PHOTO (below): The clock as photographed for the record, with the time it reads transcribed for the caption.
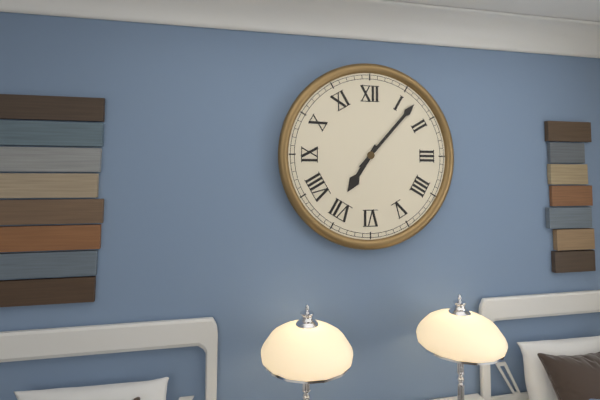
7:07
